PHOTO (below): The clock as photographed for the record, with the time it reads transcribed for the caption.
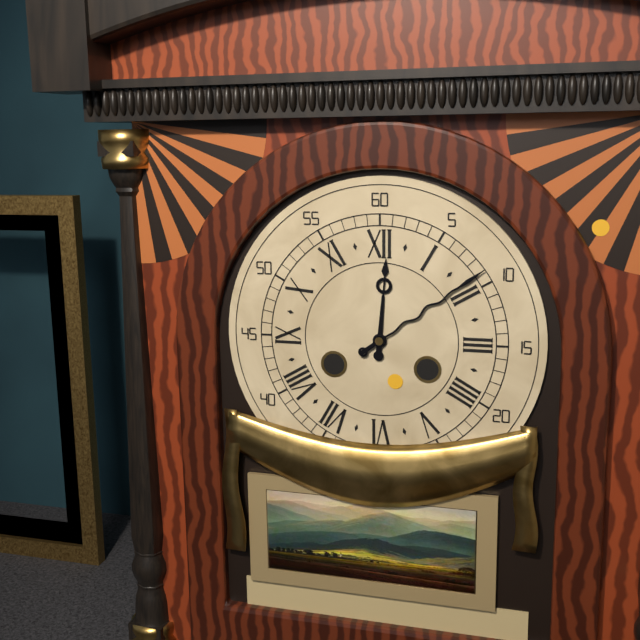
12:09
